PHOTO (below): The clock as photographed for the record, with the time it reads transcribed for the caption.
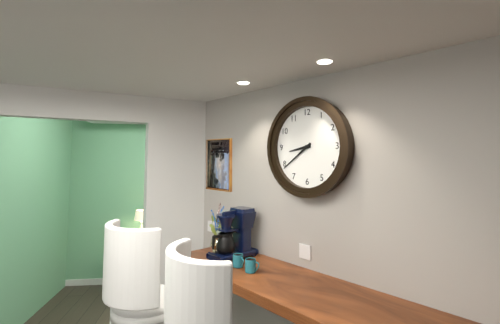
8:39
